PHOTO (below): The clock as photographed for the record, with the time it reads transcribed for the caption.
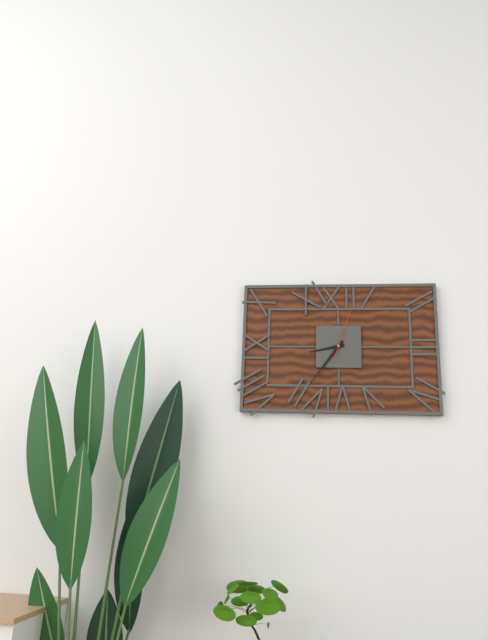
8:36
